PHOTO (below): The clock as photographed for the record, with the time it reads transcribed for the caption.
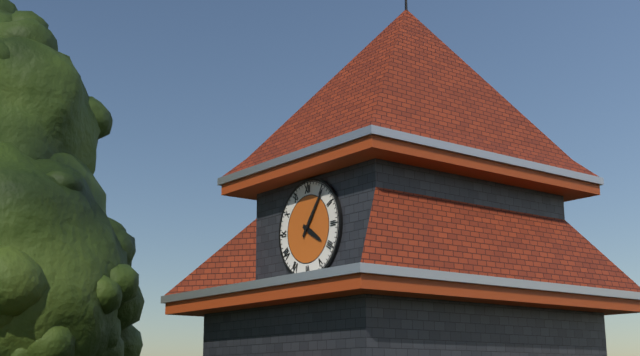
4:06
